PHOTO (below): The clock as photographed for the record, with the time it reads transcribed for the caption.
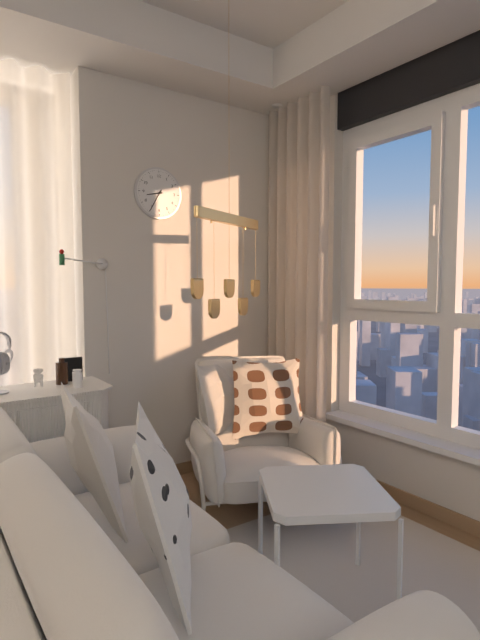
8:35
